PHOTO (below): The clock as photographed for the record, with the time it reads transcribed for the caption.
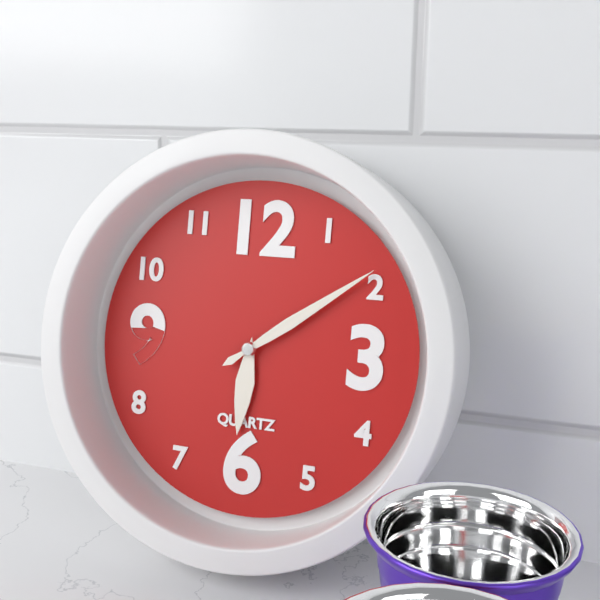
6:09
